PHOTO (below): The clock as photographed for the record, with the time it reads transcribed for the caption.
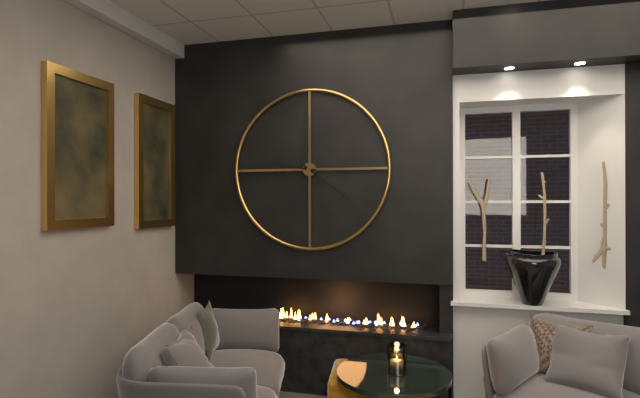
9:21
